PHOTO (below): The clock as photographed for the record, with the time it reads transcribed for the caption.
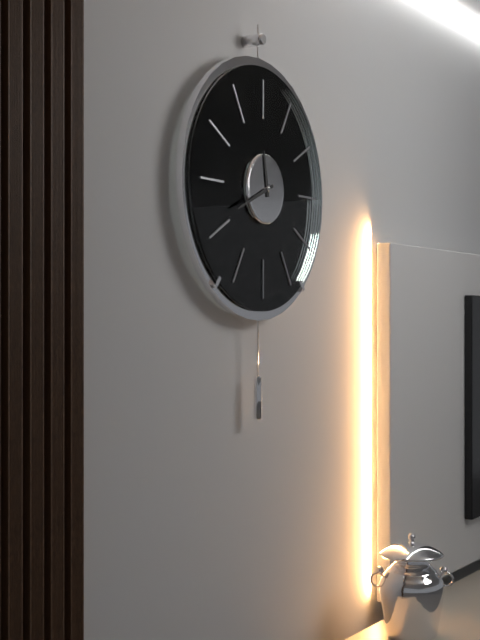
11:41
